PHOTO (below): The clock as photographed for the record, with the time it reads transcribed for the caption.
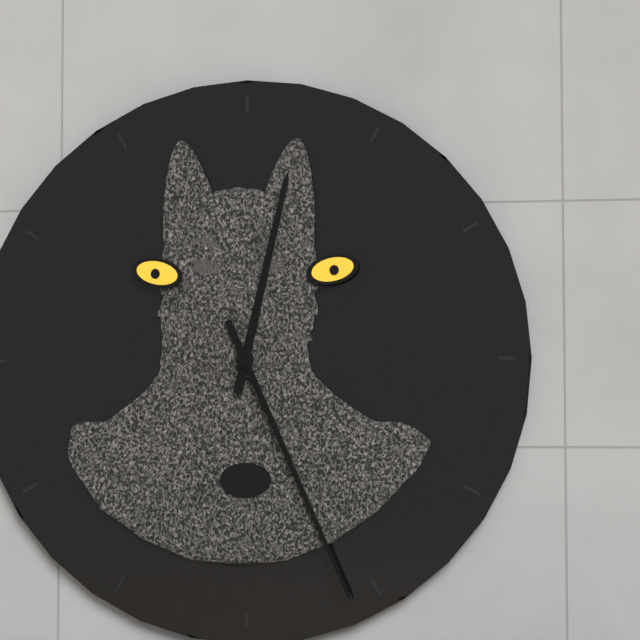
12:26
